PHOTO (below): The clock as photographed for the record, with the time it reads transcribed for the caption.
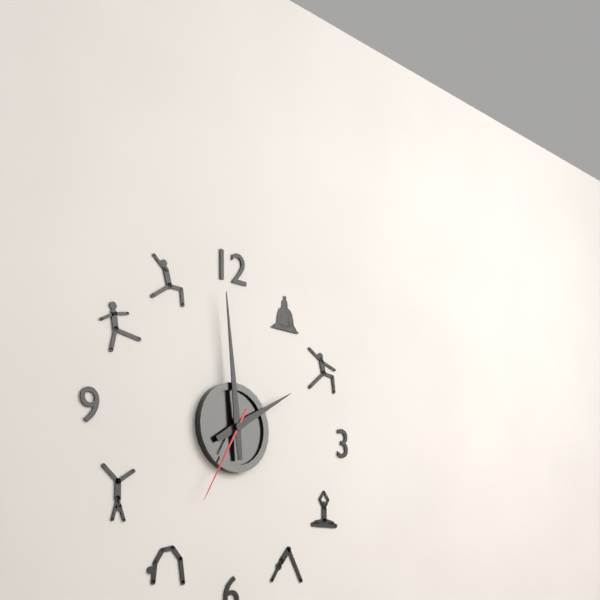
1:59:35
